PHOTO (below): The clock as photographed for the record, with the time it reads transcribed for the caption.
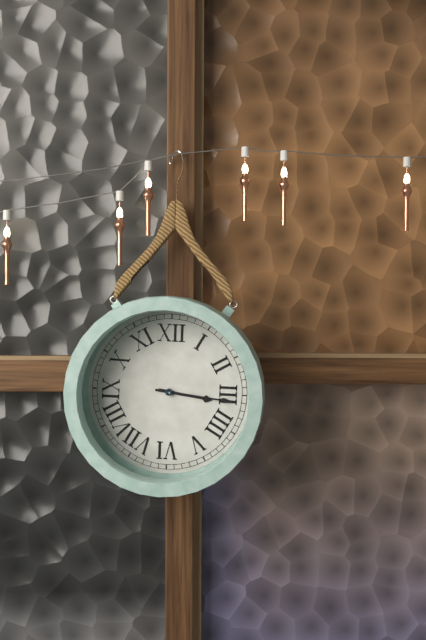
3:16
